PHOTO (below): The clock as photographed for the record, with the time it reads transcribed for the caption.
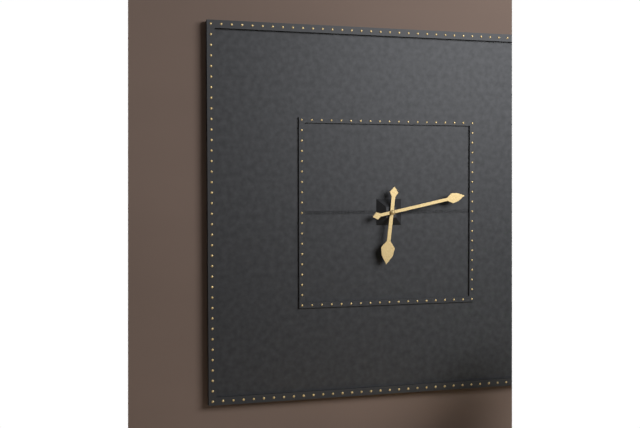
6:13
